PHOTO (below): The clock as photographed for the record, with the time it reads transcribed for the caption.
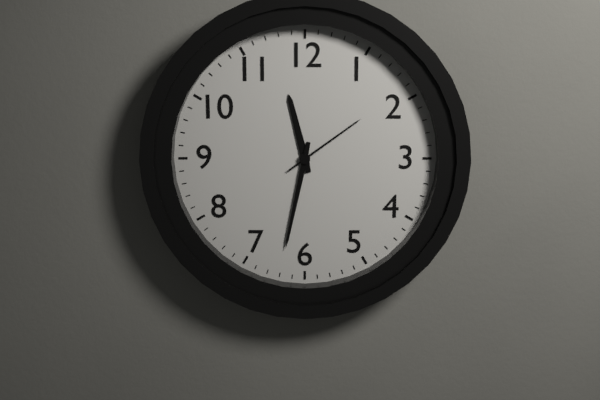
11:32:09
